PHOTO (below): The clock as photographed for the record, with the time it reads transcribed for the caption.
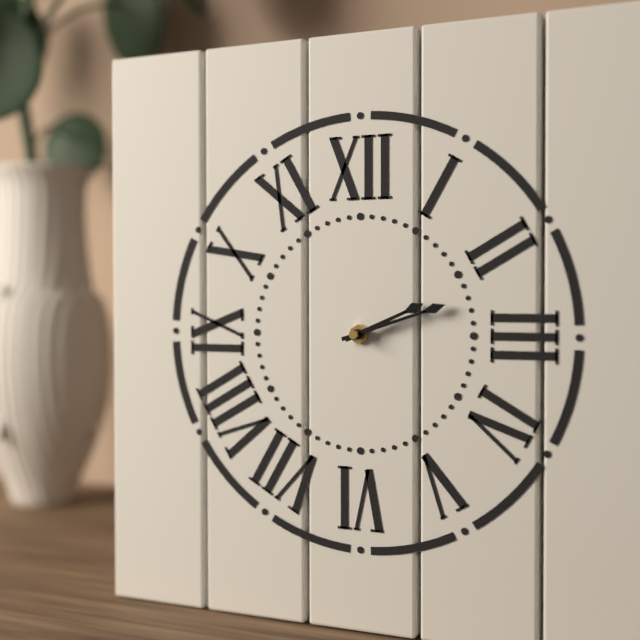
2:12
